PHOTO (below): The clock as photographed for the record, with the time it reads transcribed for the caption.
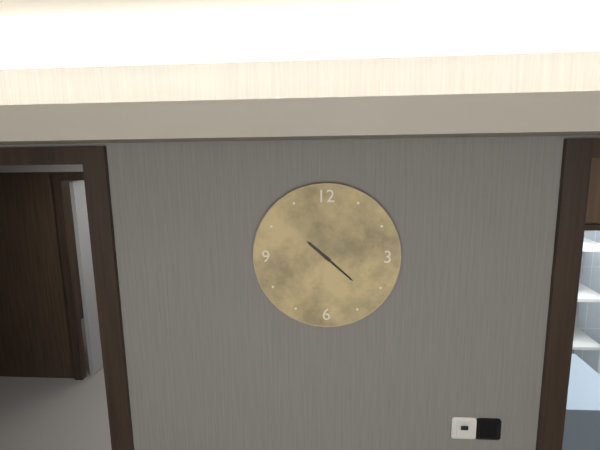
10:22
